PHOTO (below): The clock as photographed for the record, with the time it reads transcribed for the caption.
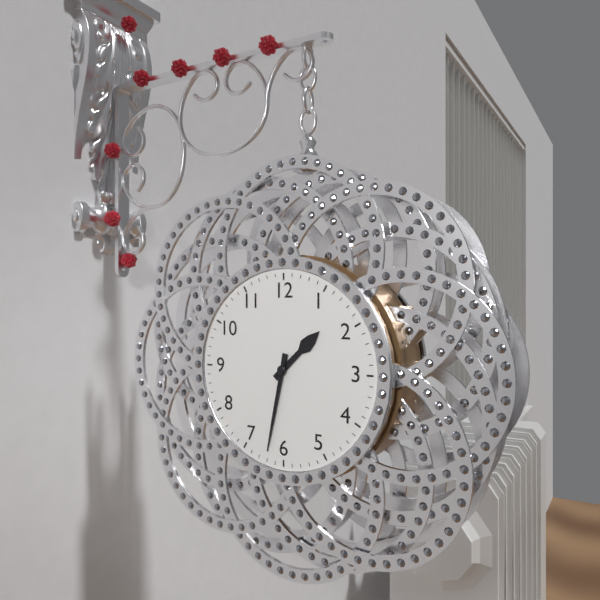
1:32
